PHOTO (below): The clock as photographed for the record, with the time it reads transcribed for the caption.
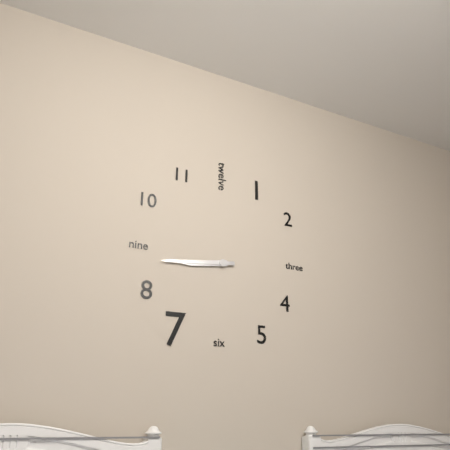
8:44
